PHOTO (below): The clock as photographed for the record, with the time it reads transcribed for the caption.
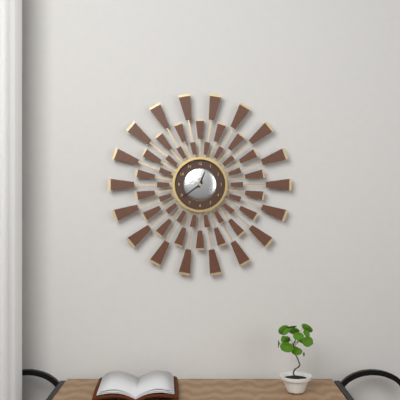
12:39
